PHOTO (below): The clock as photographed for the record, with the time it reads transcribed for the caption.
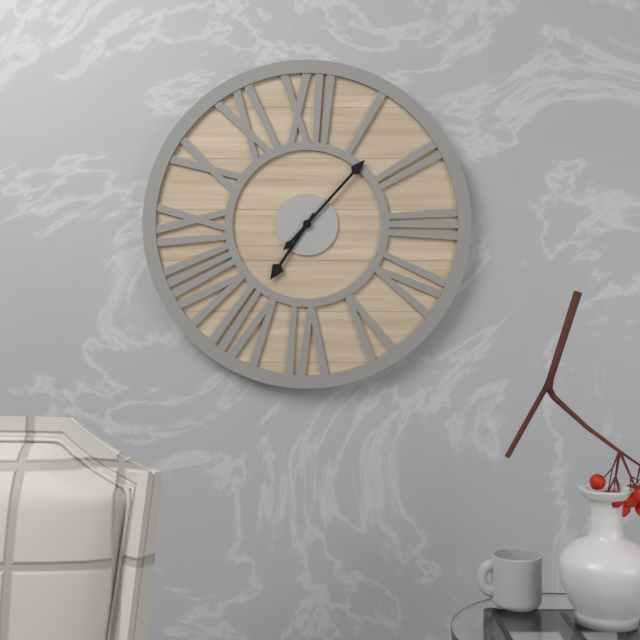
7:07
